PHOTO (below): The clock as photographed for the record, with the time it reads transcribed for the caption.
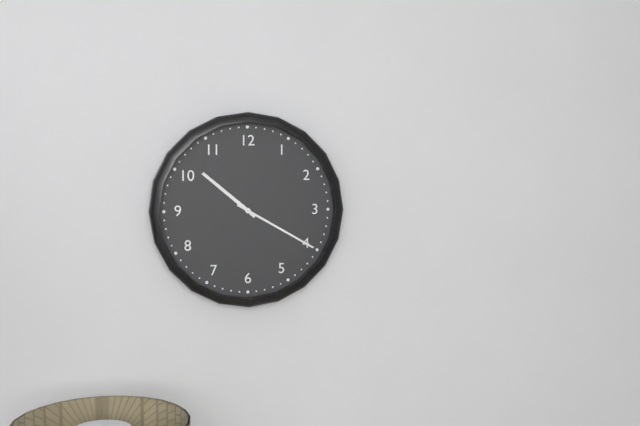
10:20
